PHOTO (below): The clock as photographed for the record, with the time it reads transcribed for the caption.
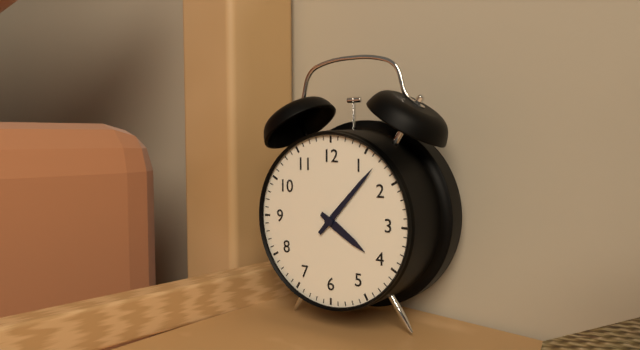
4:07
